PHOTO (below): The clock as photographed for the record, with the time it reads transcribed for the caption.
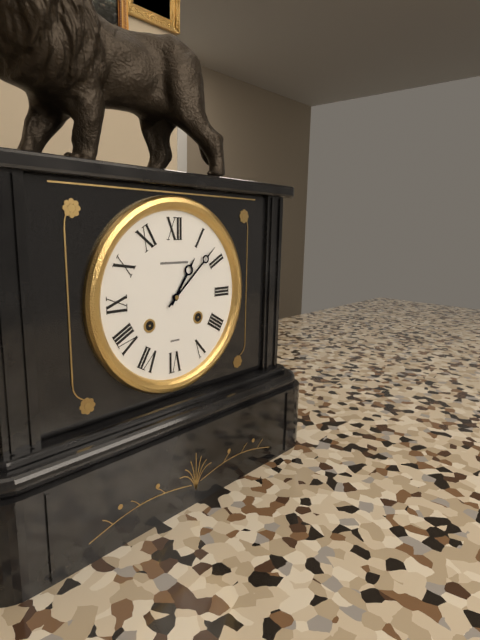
1:08
